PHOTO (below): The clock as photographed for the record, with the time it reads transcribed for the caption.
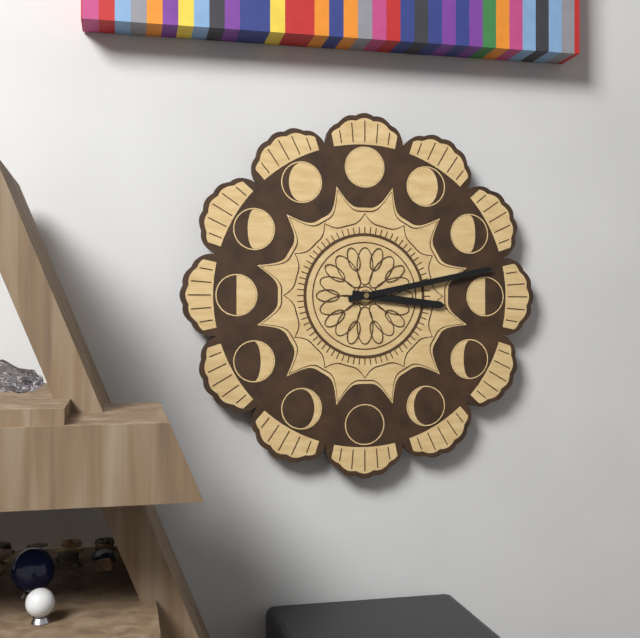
3:13
